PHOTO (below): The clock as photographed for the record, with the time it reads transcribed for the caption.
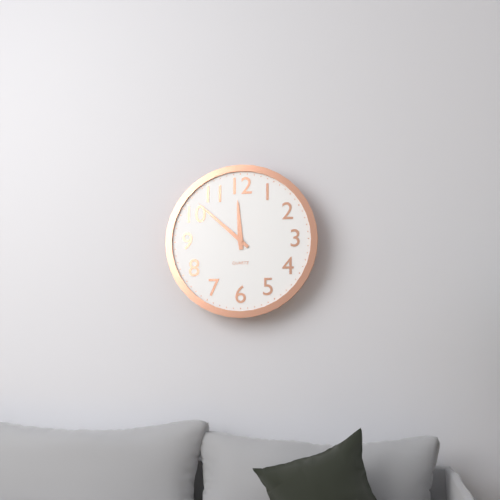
11:52
